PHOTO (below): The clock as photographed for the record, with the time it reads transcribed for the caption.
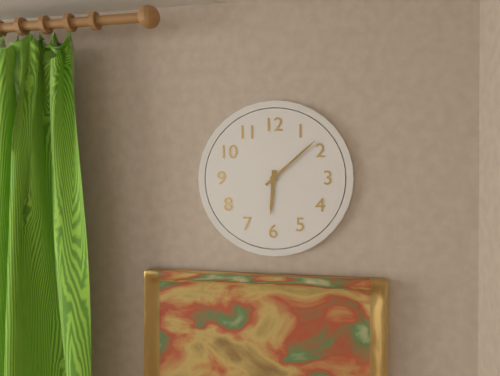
6:08
